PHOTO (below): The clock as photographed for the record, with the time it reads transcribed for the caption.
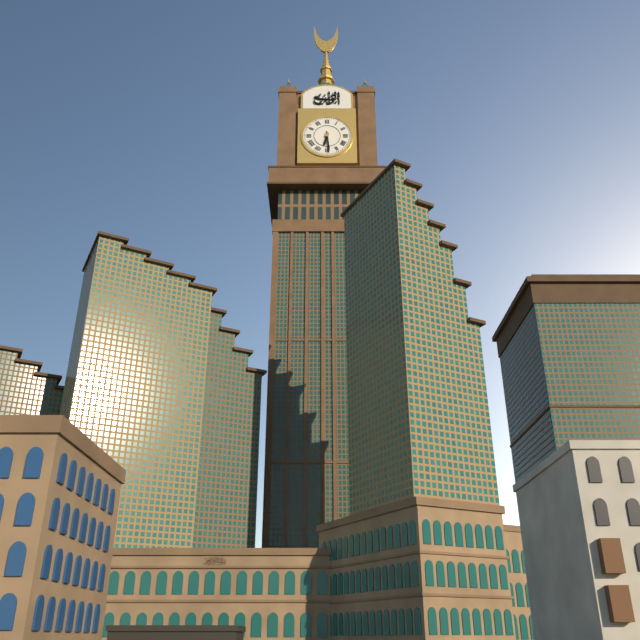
6:29
